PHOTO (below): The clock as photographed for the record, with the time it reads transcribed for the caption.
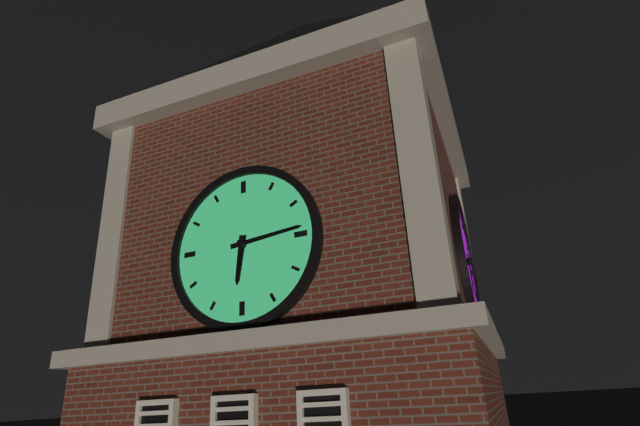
6:14
